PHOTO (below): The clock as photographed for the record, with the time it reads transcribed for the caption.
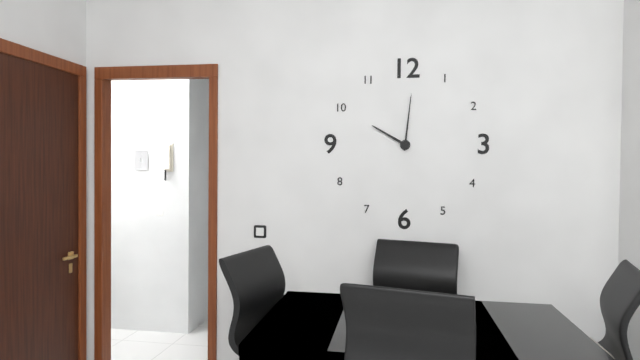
10:01
